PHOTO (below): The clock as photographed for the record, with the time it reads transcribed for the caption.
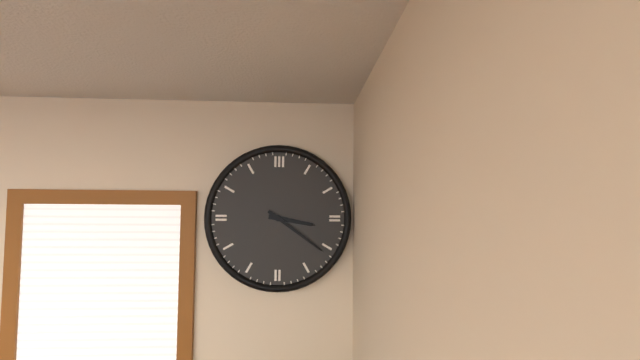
3:21
